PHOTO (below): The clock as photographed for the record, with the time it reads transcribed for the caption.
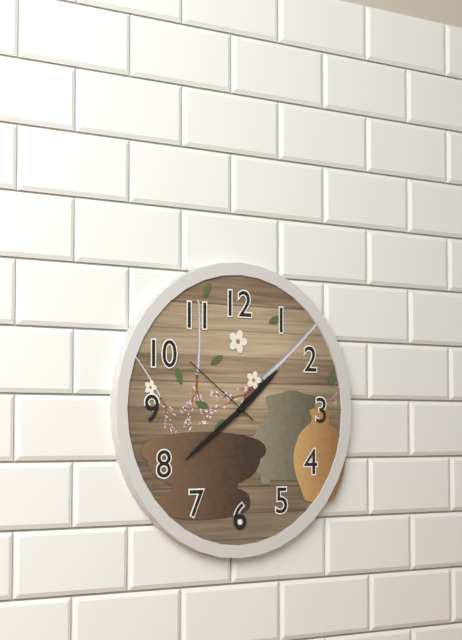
1:39:51
